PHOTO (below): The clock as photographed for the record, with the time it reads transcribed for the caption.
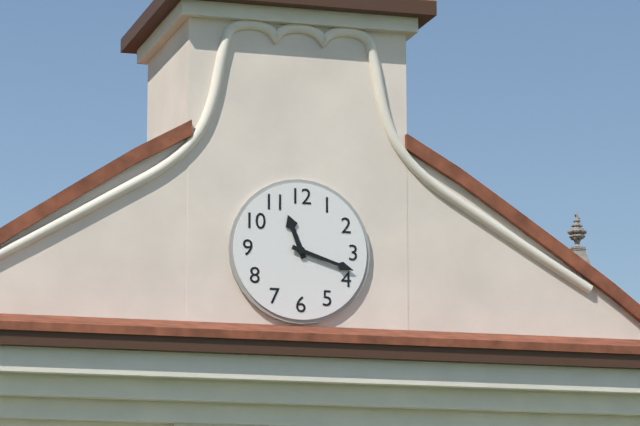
11:18
